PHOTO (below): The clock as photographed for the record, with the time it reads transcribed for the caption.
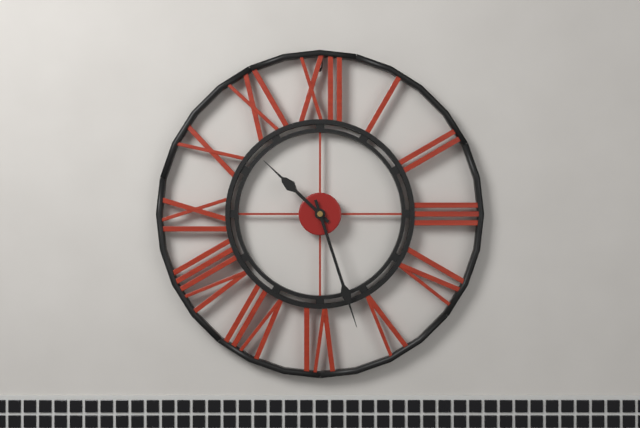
10:27
